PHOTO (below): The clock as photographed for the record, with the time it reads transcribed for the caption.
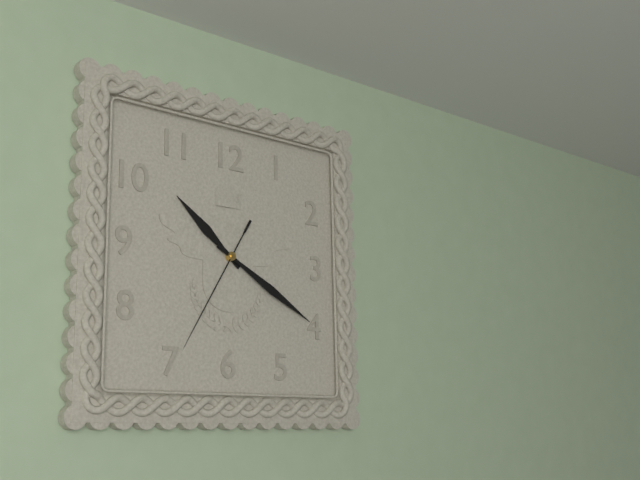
10:20:35
